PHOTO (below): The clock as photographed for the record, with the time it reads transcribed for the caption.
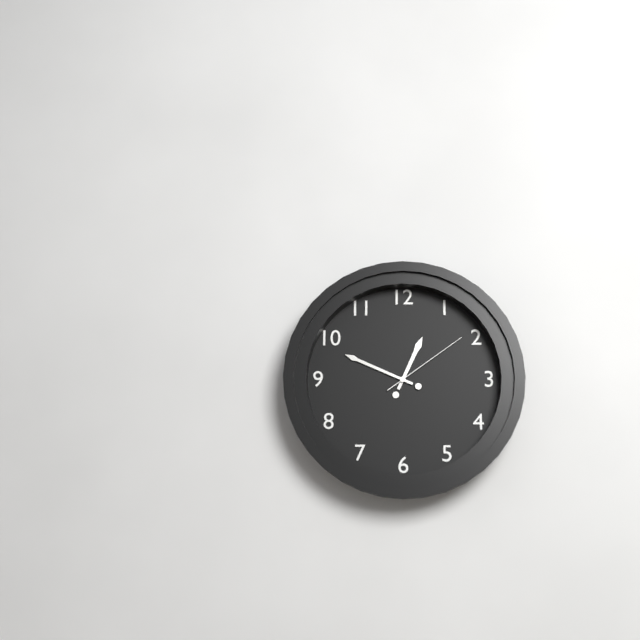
12:49:09
